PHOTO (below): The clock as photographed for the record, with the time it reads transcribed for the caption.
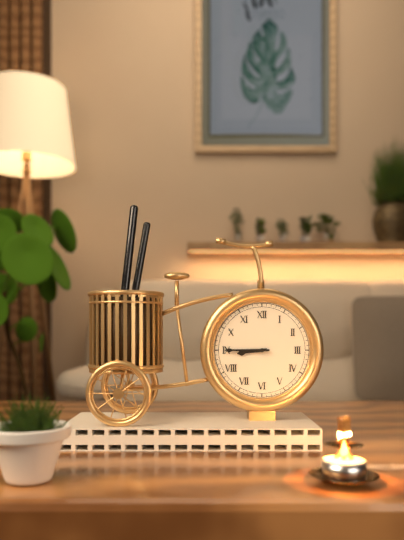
8:45
